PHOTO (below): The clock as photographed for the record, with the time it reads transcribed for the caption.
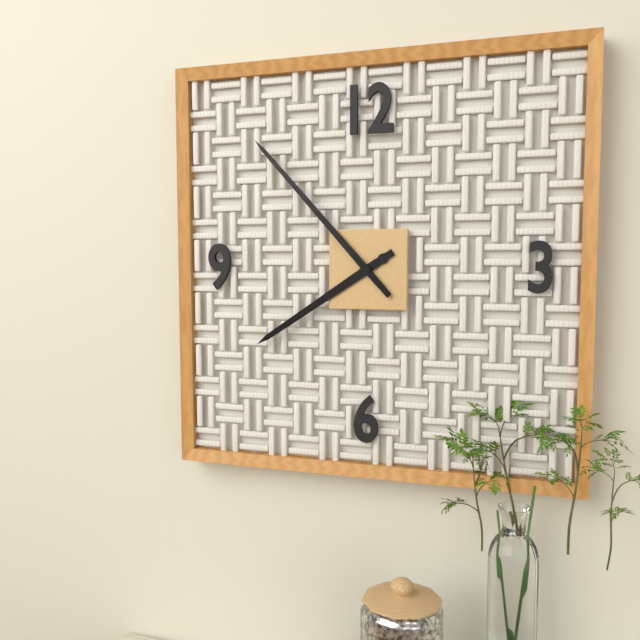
7:53
